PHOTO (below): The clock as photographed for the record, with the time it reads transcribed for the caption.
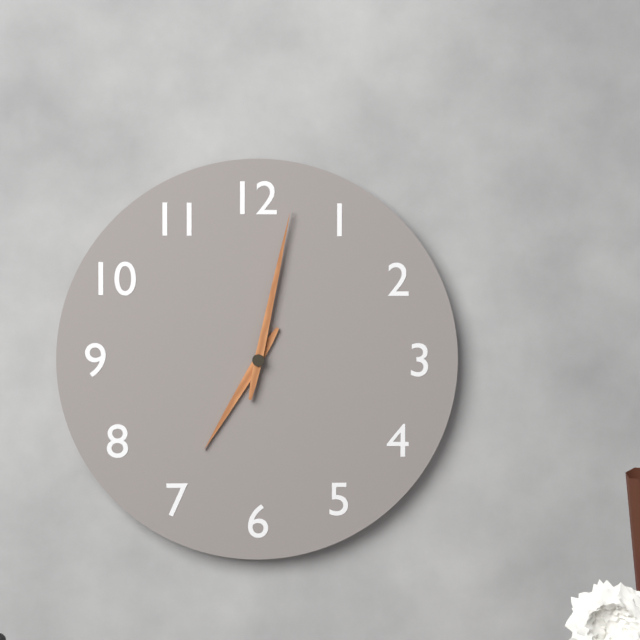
7:02
